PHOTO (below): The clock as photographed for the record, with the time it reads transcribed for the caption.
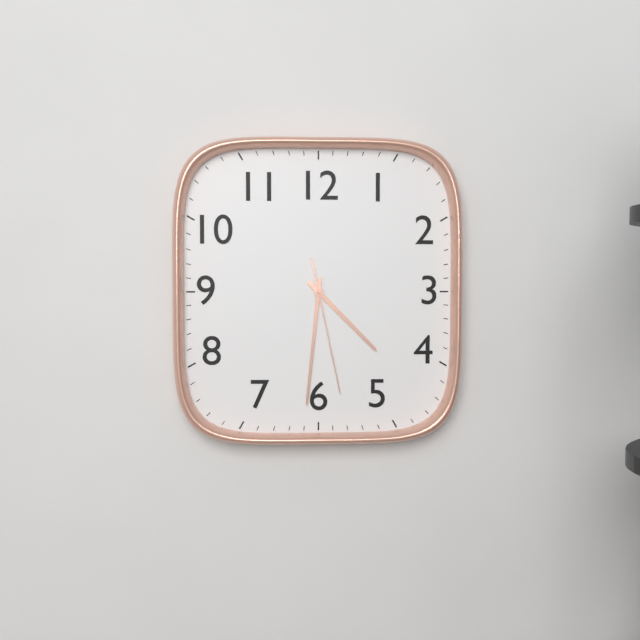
4:31:28
